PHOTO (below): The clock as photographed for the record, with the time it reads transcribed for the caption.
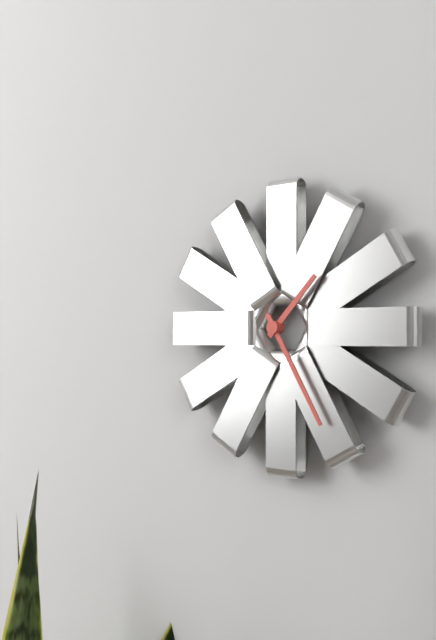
1:25
